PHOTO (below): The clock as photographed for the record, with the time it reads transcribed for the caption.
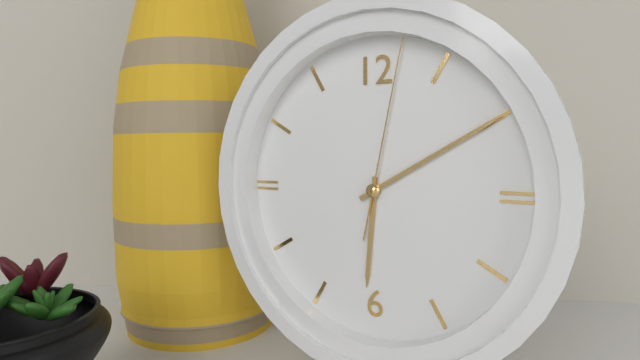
6:10:02
